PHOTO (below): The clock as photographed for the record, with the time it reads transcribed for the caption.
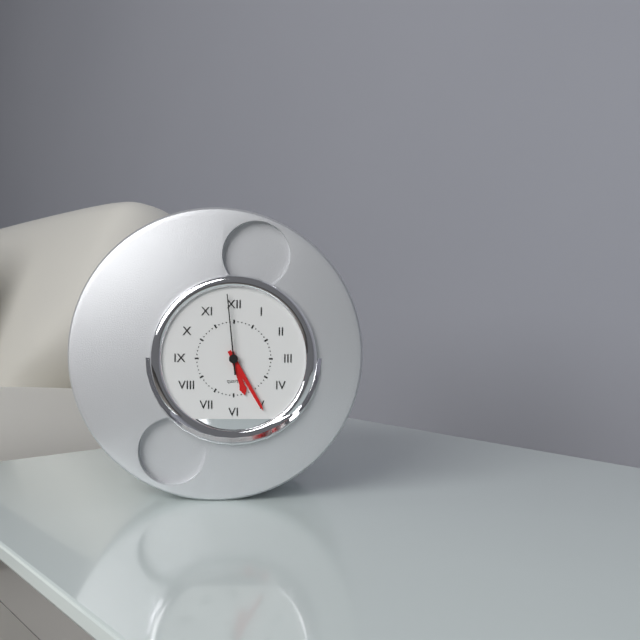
5:25:59
